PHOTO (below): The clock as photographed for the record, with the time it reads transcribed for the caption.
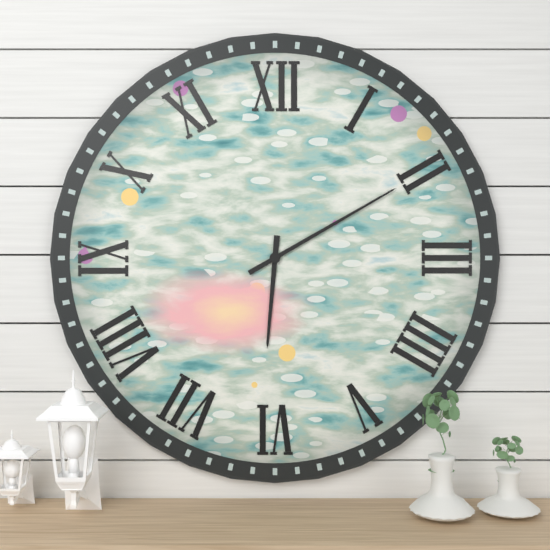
6:10
